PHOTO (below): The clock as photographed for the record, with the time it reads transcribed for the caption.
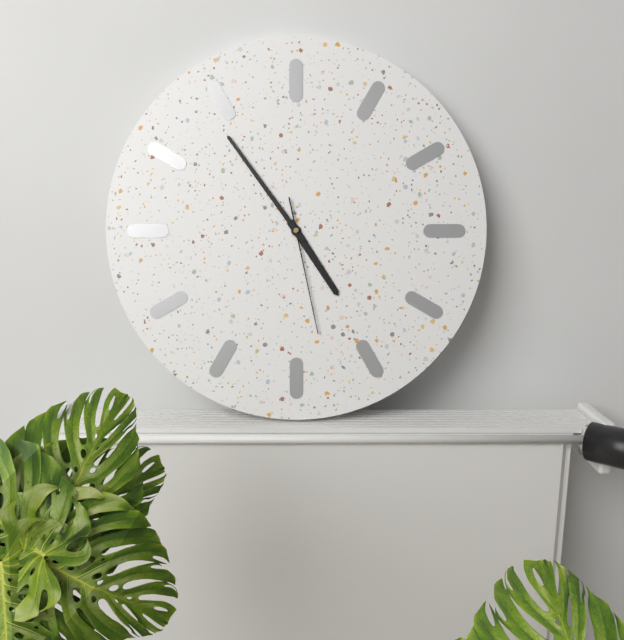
4:54:28
